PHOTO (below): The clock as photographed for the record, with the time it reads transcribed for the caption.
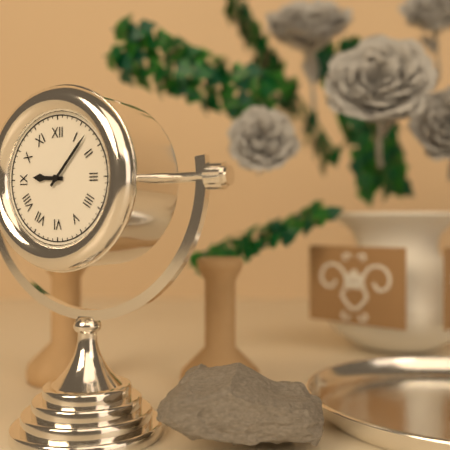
9:07
